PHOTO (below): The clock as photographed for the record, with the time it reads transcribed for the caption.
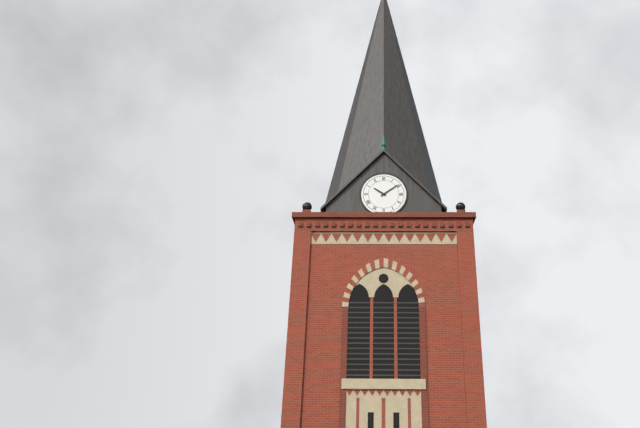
10:09
